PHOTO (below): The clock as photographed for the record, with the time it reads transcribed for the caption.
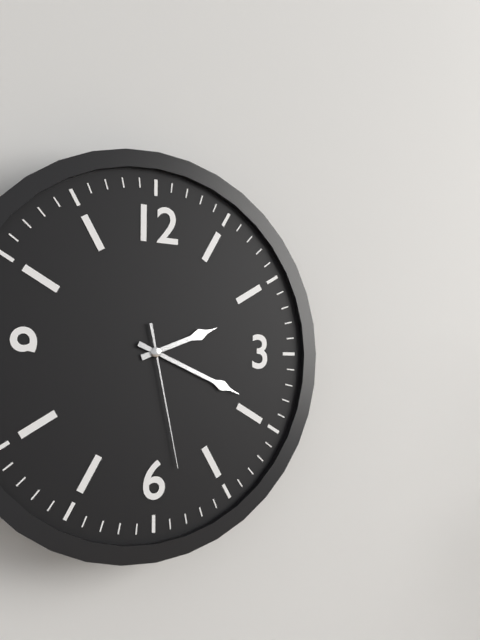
2:19:28
